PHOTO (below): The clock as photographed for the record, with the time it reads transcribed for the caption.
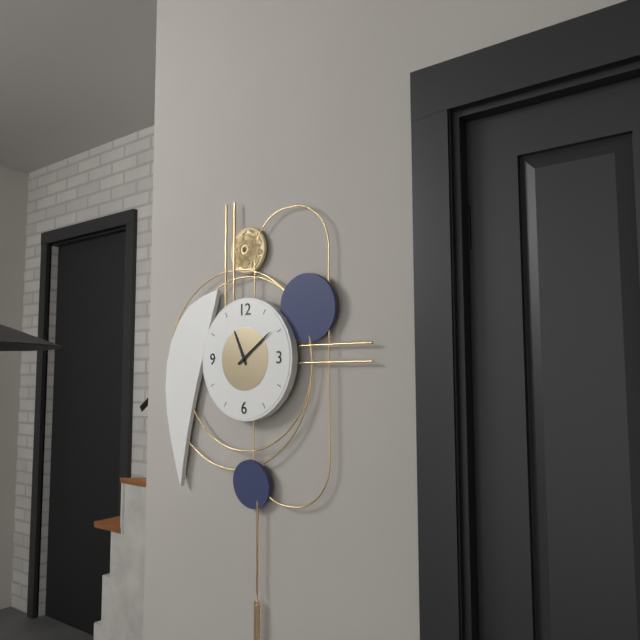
11:09
